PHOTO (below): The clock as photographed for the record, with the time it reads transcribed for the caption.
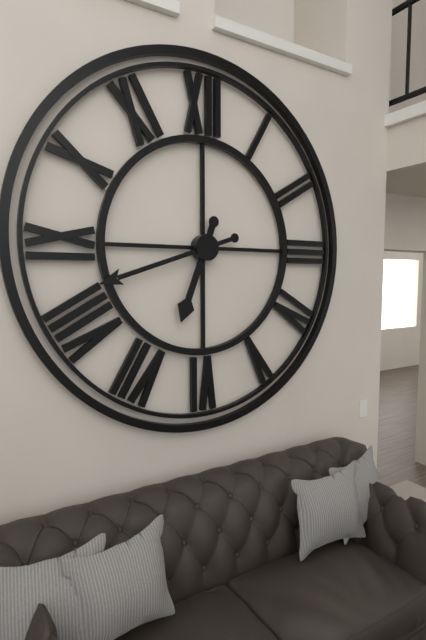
6:42
